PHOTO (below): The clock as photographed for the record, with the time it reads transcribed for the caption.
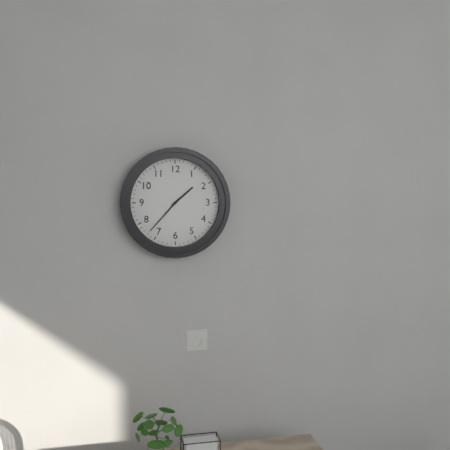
1:37
